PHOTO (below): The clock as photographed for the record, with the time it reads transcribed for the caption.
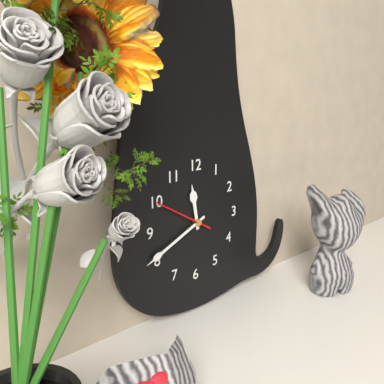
11:41:50
